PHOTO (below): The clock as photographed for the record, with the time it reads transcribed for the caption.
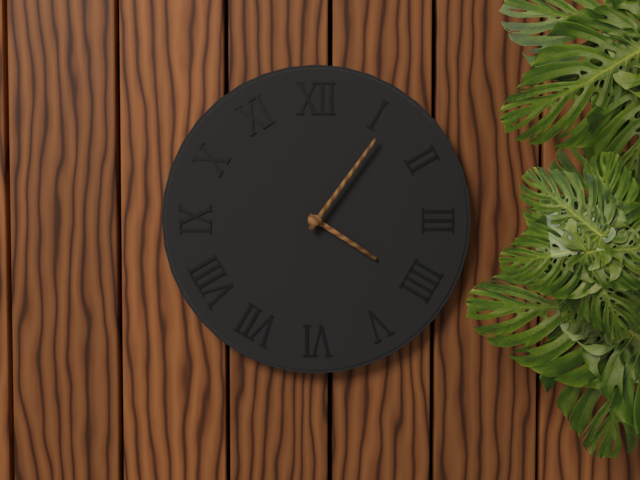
4:06
